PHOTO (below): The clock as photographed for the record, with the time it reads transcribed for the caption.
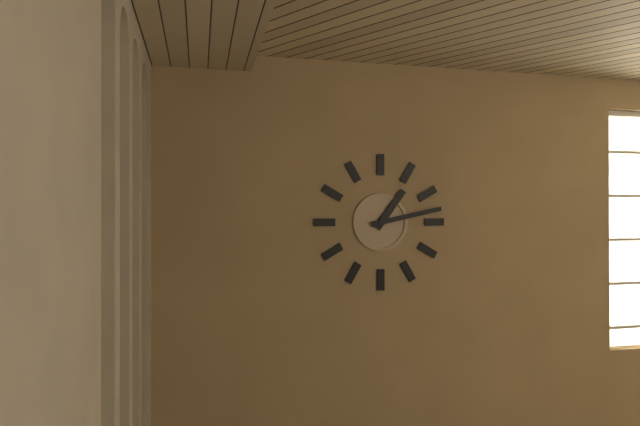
1:13
